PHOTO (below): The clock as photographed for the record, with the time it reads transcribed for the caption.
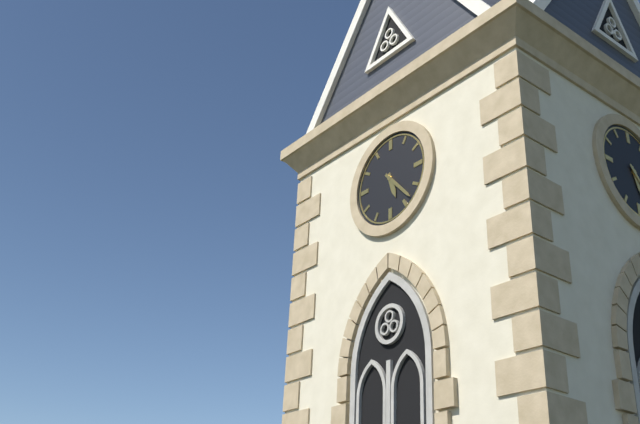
5:23
